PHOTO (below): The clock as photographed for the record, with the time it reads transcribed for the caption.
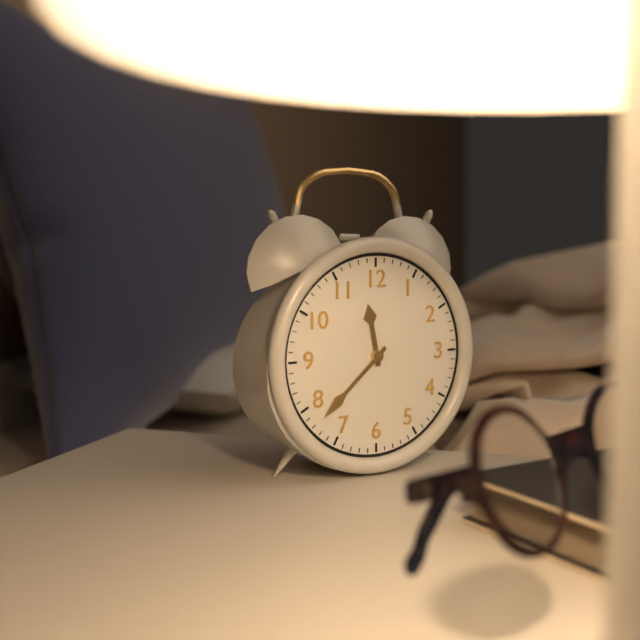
11:38
